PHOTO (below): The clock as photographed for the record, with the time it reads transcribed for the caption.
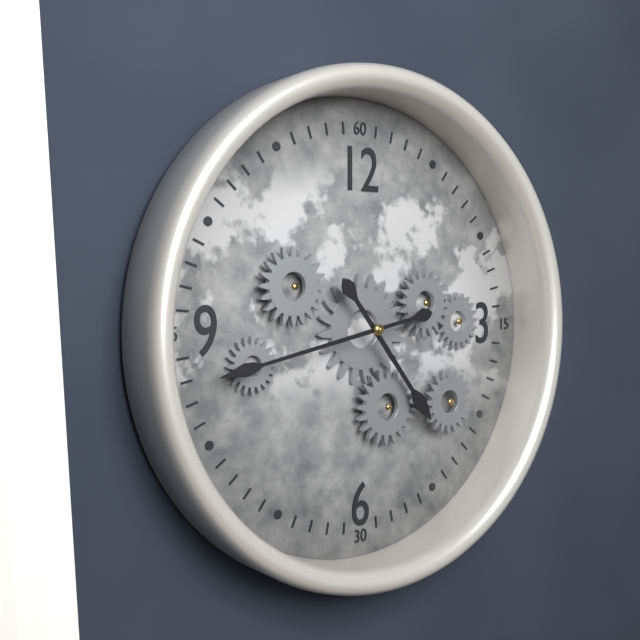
4:43
